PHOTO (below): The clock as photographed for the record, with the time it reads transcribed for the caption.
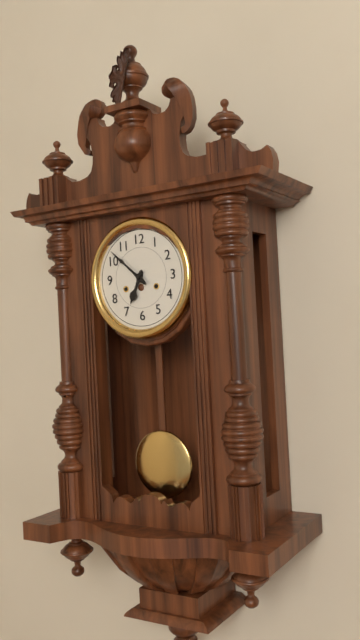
6:52
